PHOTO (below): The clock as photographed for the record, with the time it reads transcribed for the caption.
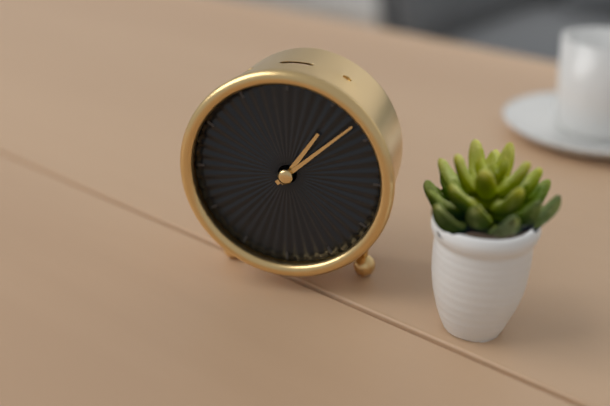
1:08
